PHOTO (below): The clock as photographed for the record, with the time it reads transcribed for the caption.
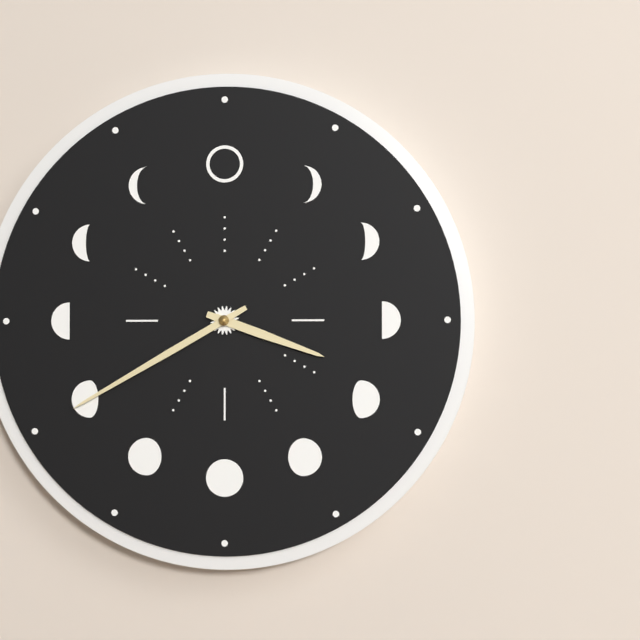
3:40
